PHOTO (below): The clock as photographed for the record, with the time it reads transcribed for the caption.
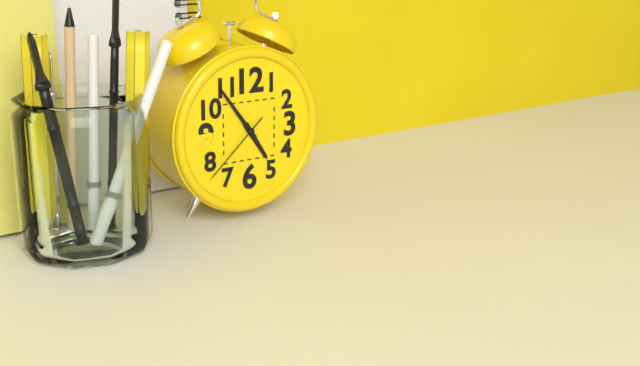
4:54:38
